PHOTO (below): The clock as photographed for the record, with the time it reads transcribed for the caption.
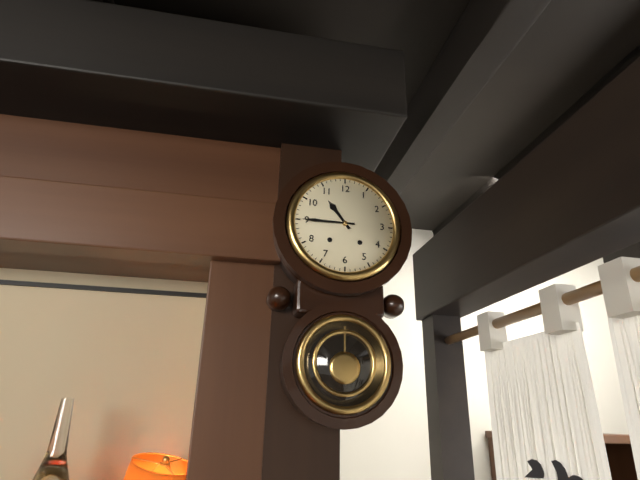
10:45
